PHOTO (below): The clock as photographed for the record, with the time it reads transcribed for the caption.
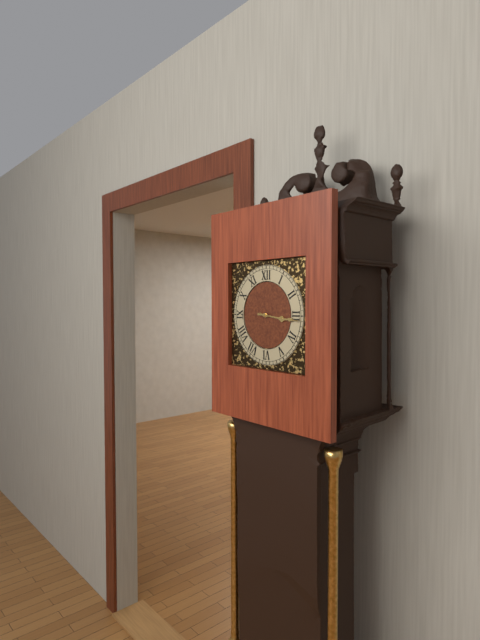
3:16
